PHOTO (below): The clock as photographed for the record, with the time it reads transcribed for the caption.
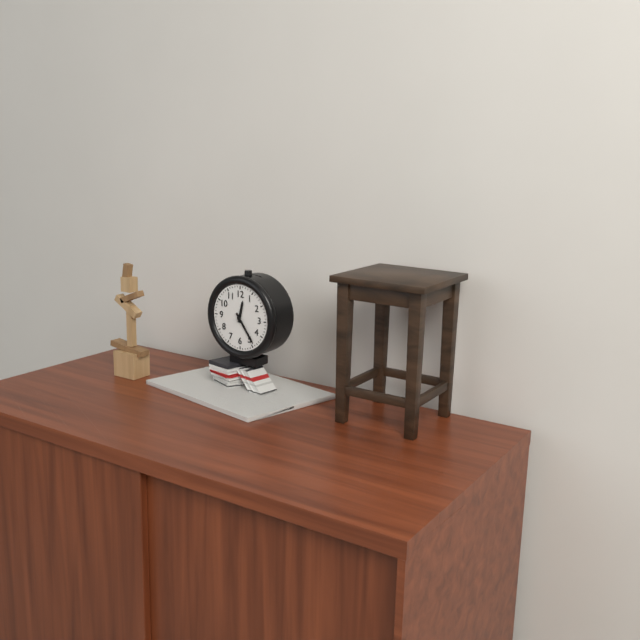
12:24
